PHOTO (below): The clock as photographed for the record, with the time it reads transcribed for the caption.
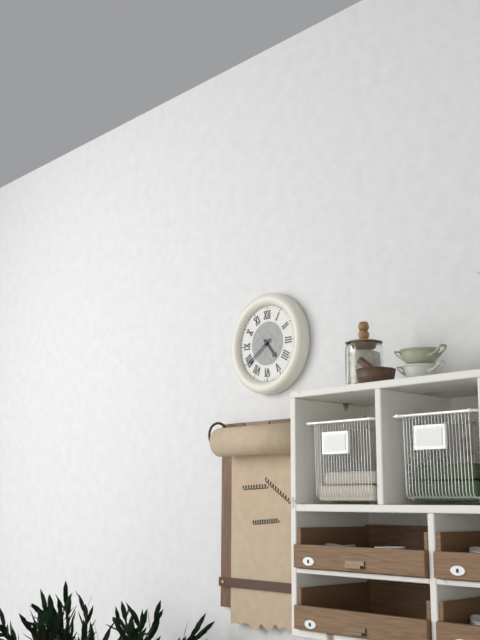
4:39
